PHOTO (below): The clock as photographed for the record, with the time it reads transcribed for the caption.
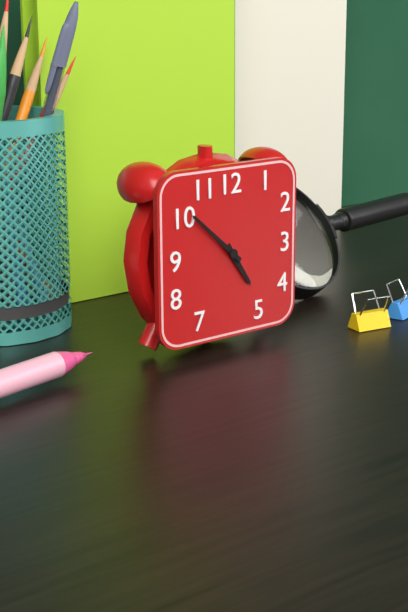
4:52
